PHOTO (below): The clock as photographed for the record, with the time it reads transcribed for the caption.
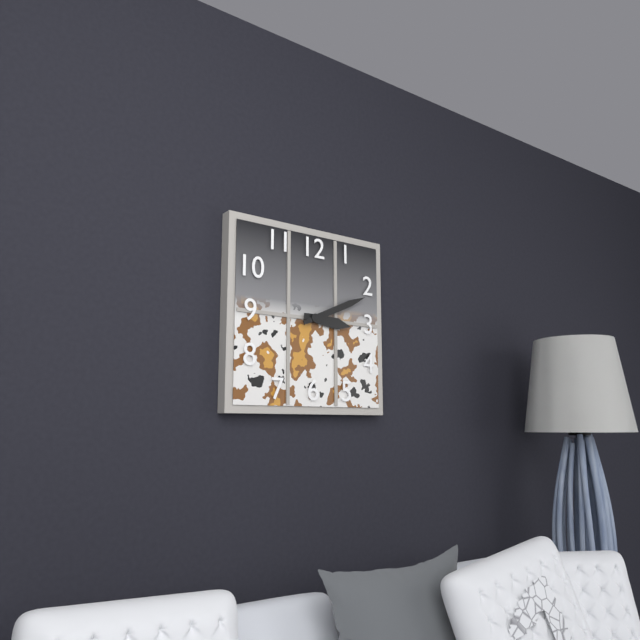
3:11
